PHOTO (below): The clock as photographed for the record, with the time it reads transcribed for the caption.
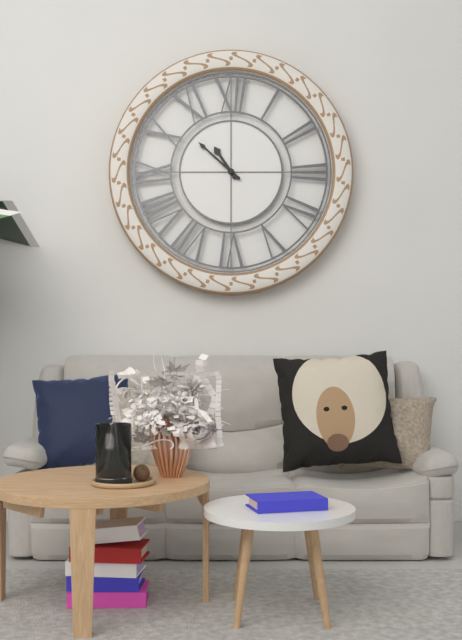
10:52
